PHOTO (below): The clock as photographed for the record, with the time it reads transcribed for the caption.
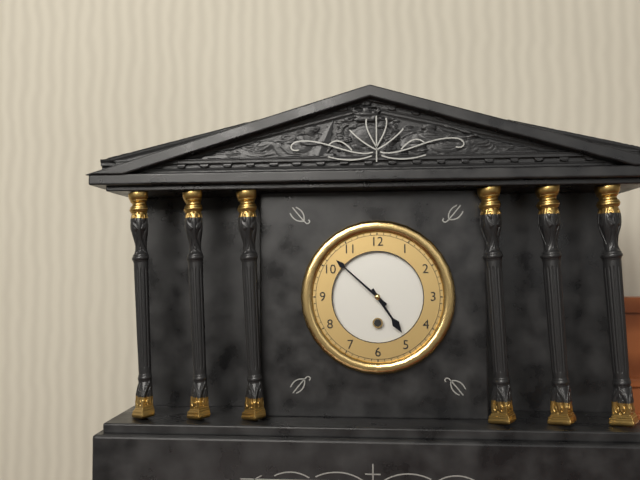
4:52
